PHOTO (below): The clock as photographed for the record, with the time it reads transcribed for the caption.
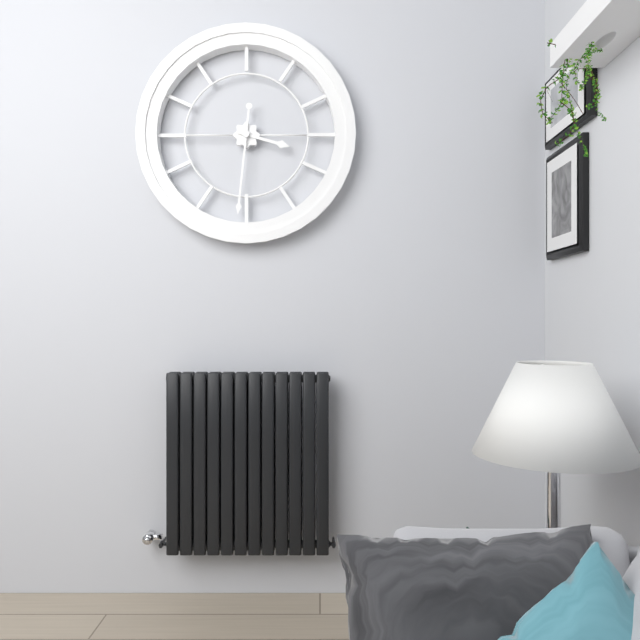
3:31
